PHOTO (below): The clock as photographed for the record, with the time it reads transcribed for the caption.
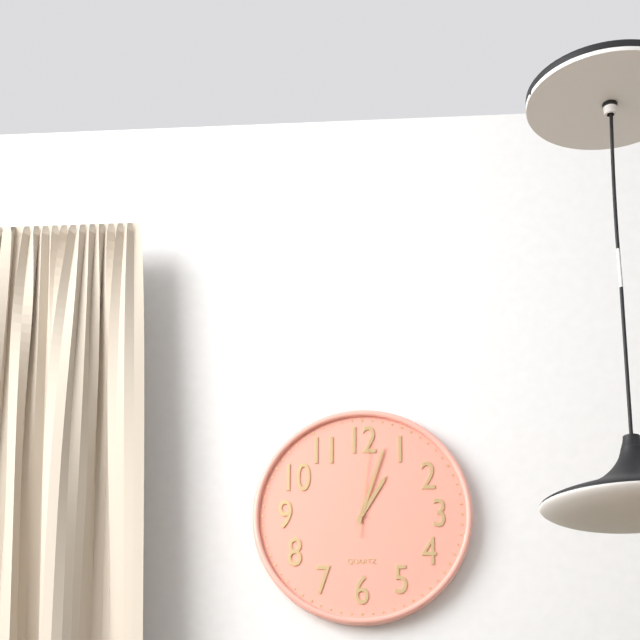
1:03:01
